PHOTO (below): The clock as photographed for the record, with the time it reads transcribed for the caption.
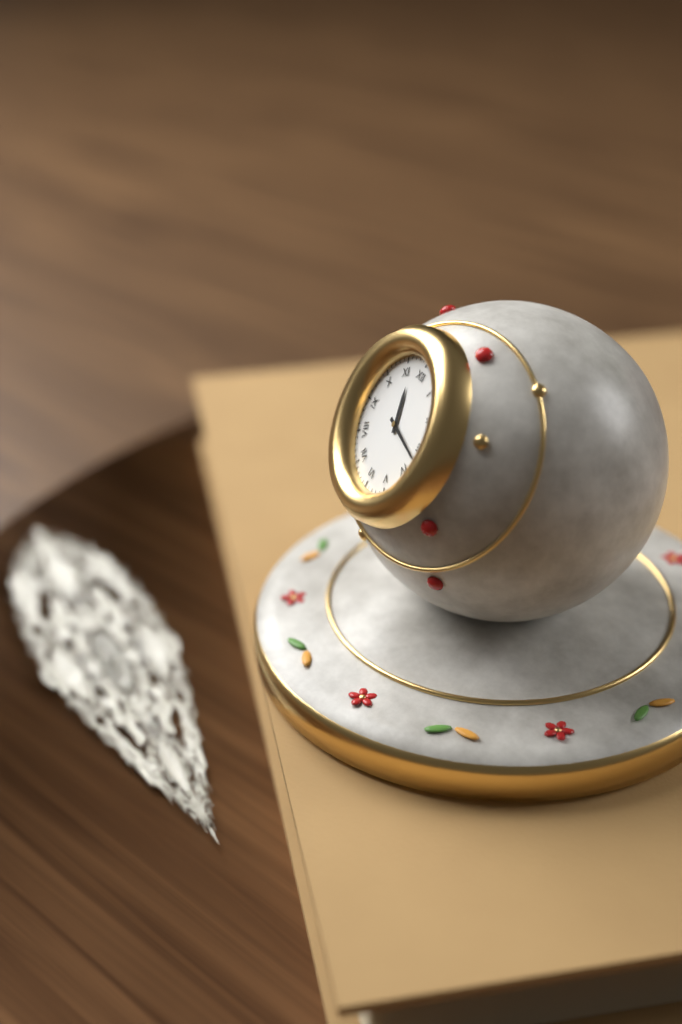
11:17
